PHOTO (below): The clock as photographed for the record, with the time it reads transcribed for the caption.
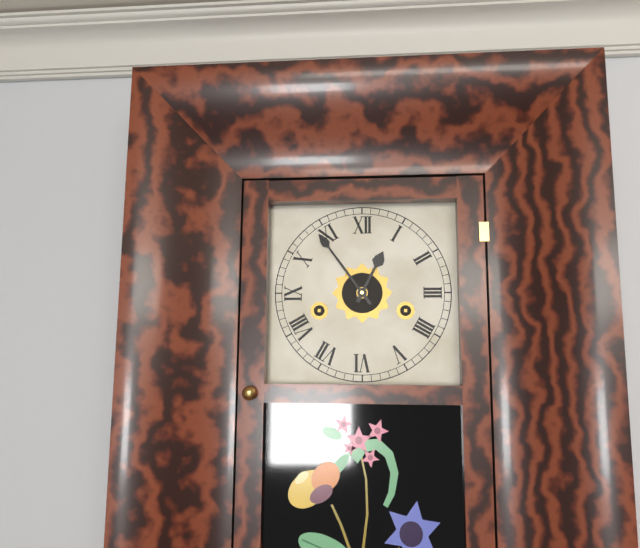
12:54
